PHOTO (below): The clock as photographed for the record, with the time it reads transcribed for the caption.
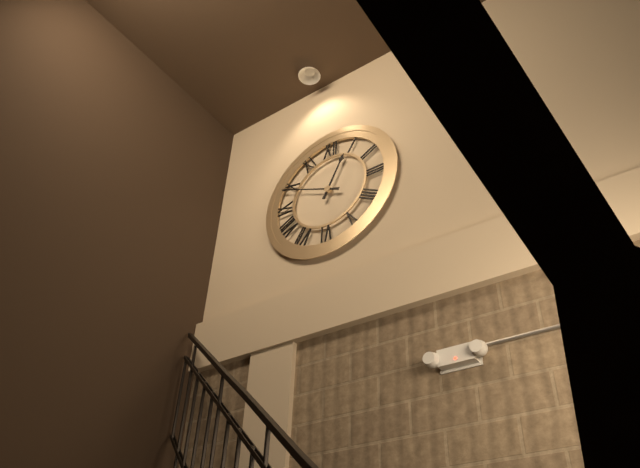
12:49
